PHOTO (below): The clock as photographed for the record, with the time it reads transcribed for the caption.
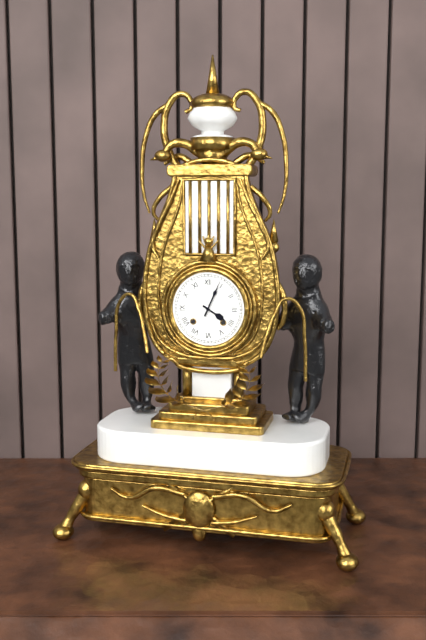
4:04
